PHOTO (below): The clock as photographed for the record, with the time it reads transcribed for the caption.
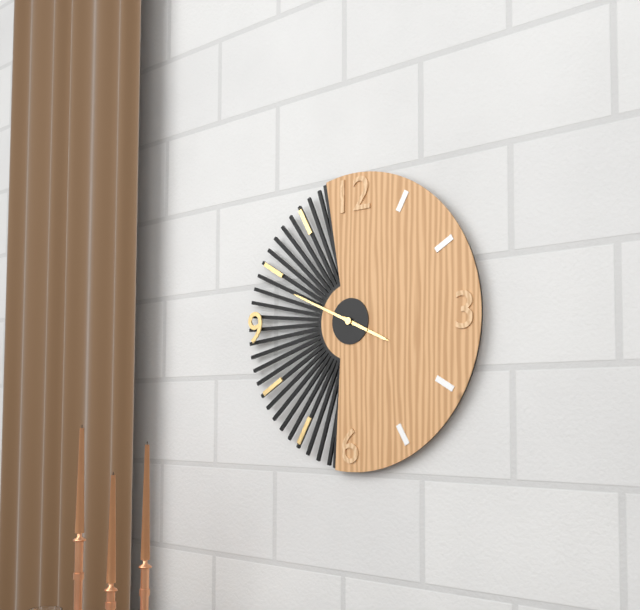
3:49
